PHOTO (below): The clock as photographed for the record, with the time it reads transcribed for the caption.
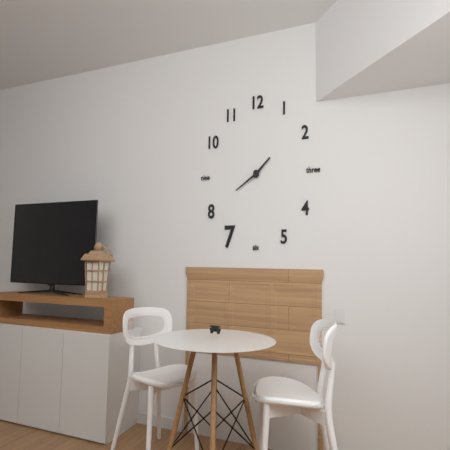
1:40
